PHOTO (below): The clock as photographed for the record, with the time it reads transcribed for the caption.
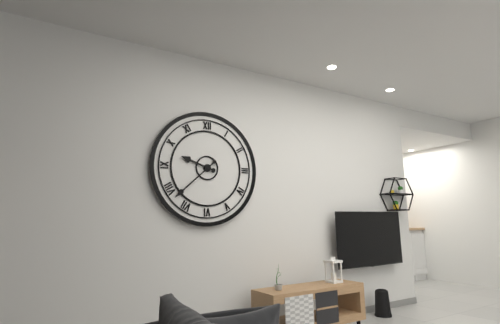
9:38
